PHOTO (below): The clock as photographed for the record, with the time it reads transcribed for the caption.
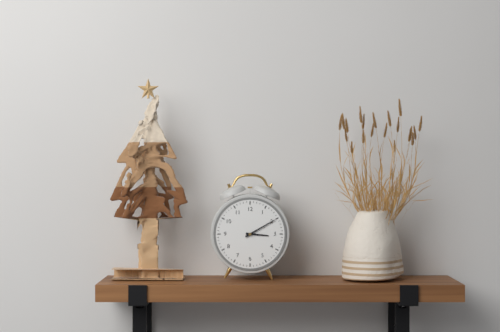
3:10
